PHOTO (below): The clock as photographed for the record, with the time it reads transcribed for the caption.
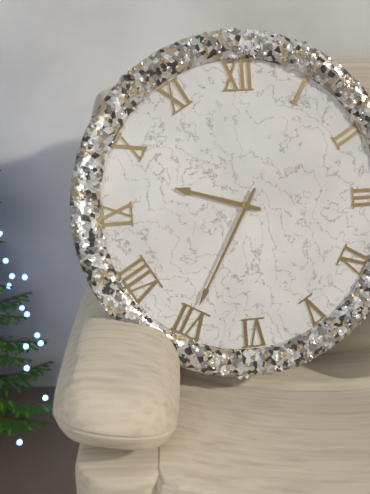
9:35
